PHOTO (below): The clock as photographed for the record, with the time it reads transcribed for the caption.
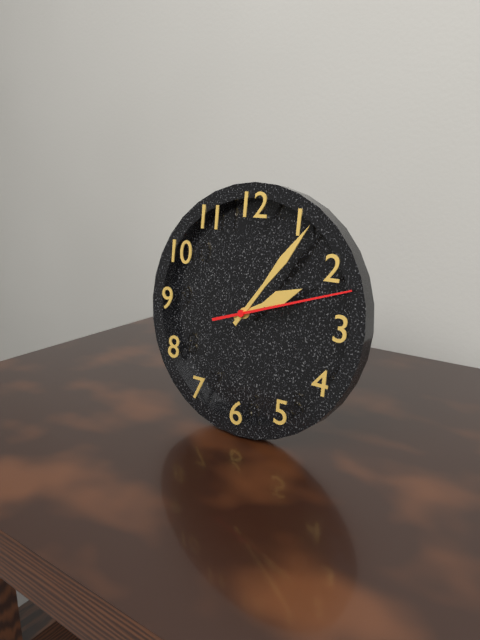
2:06:12
